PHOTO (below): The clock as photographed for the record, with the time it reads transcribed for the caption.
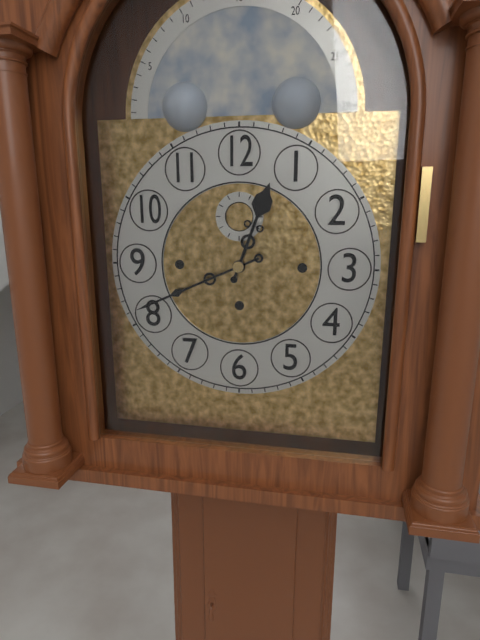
12:41
